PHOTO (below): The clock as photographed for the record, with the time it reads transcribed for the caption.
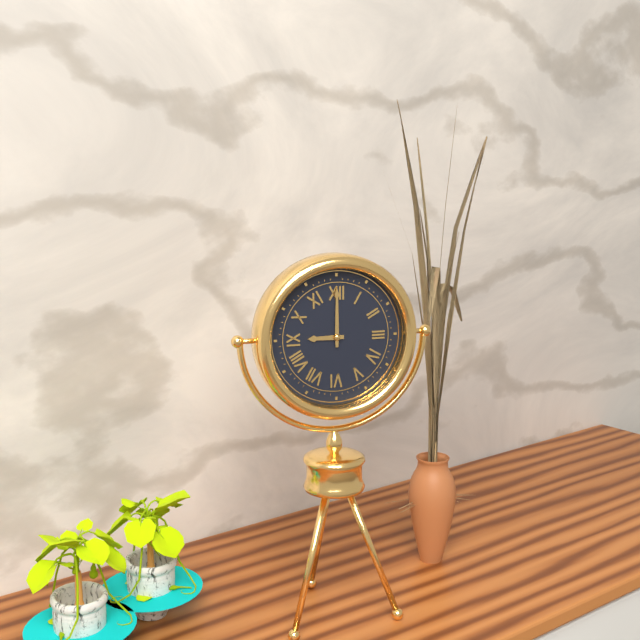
9:00
